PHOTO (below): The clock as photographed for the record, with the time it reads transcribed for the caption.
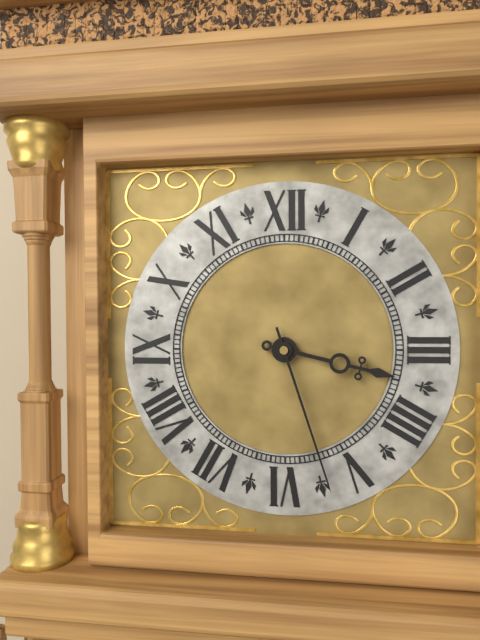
3:27
